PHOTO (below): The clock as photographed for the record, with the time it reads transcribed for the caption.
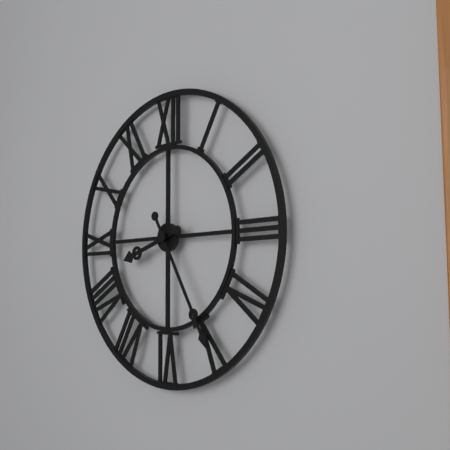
8:25
